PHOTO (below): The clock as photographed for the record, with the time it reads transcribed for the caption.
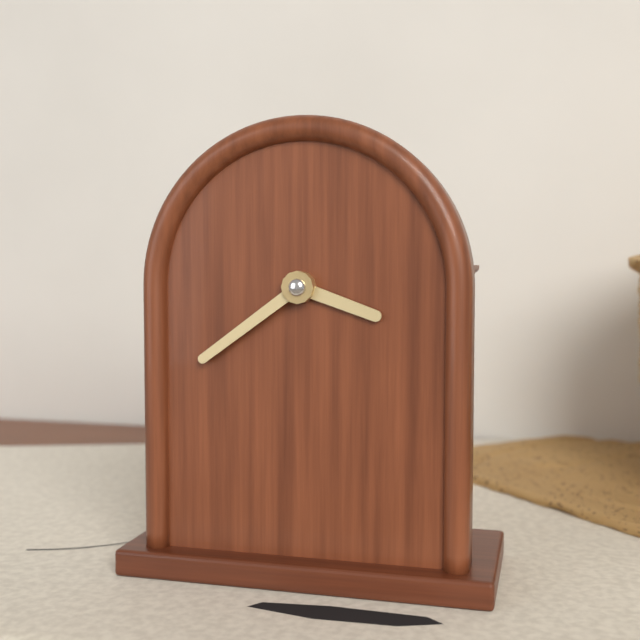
3:39
